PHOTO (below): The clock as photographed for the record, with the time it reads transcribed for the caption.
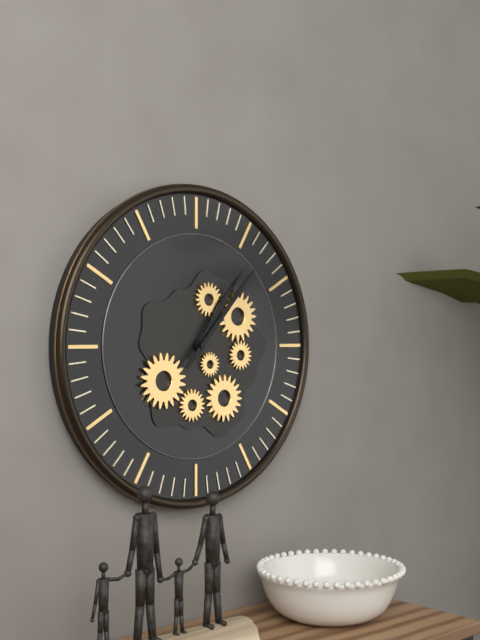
1:07
